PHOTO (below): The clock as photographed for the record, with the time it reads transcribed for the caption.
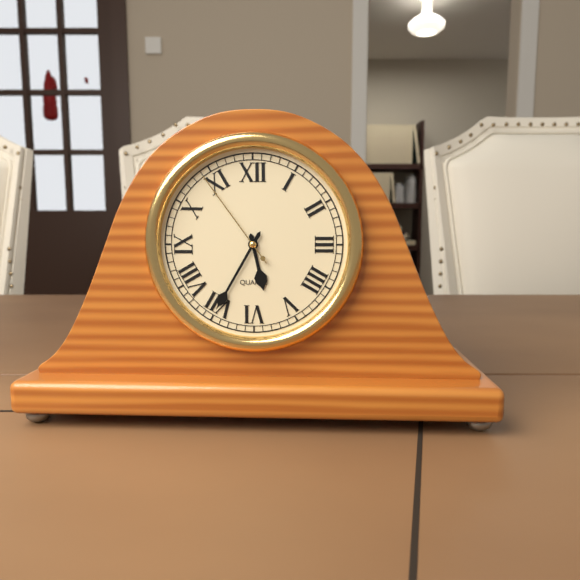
5:35:54
